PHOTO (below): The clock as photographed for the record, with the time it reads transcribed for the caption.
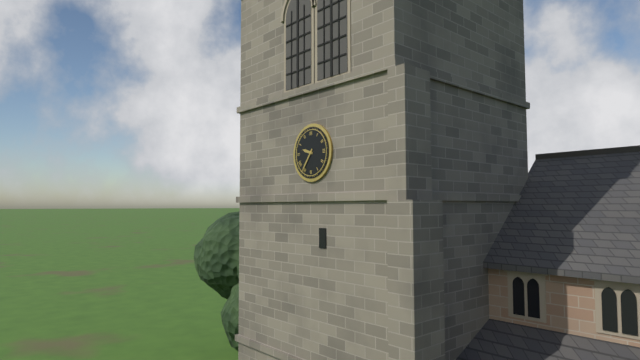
9:36
